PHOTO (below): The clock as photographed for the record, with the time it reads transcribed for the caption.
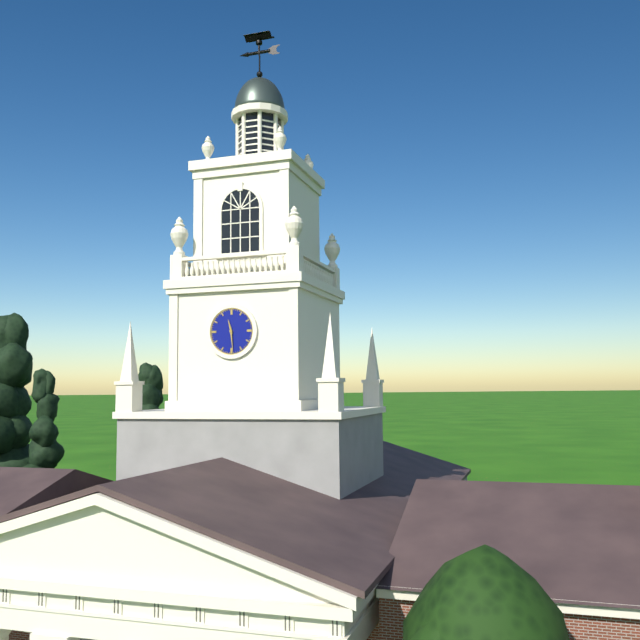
11:29
